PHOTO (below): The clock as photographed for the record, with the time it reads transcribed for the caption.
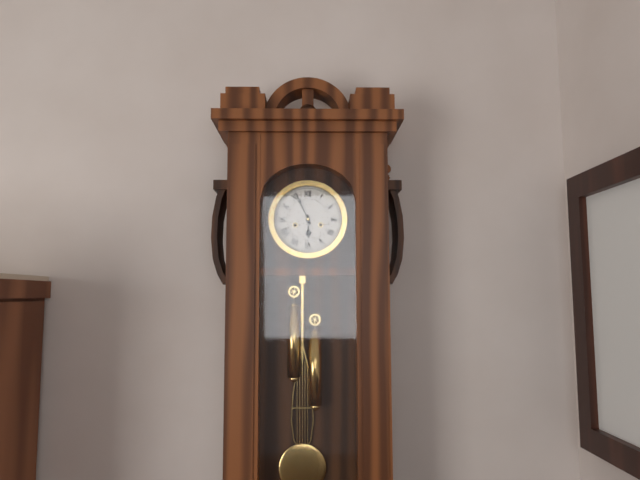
5:56
